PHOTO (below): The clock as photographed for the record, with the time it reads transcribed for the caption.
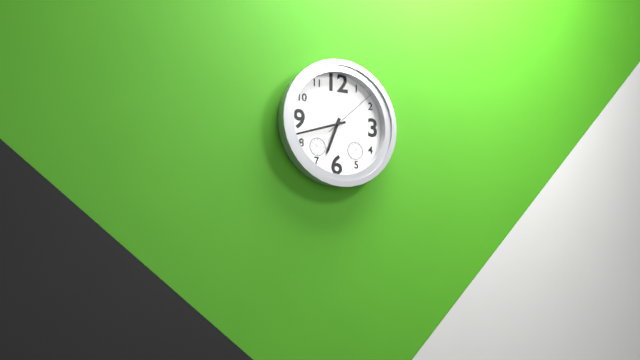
6:42:08
